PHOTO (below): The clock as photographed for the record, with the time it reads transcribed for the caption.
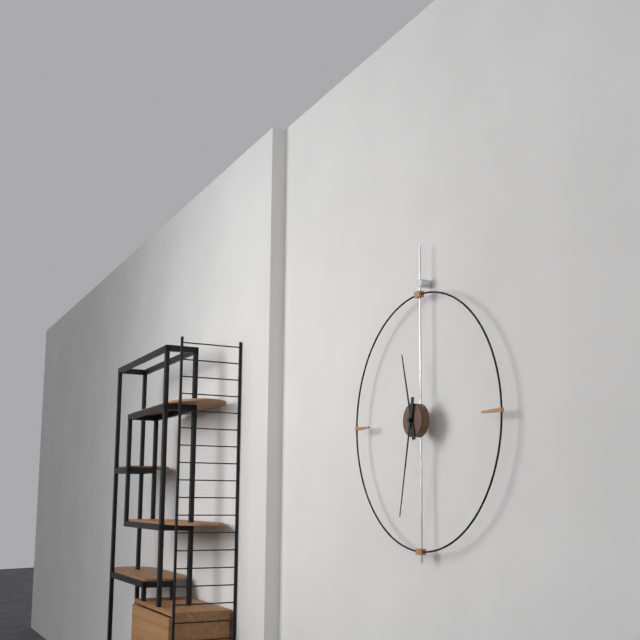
11:32
